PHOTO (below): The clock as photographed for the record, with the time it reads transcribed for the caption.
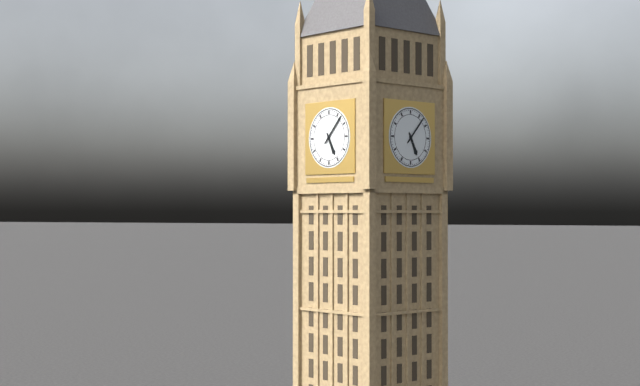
5:07
